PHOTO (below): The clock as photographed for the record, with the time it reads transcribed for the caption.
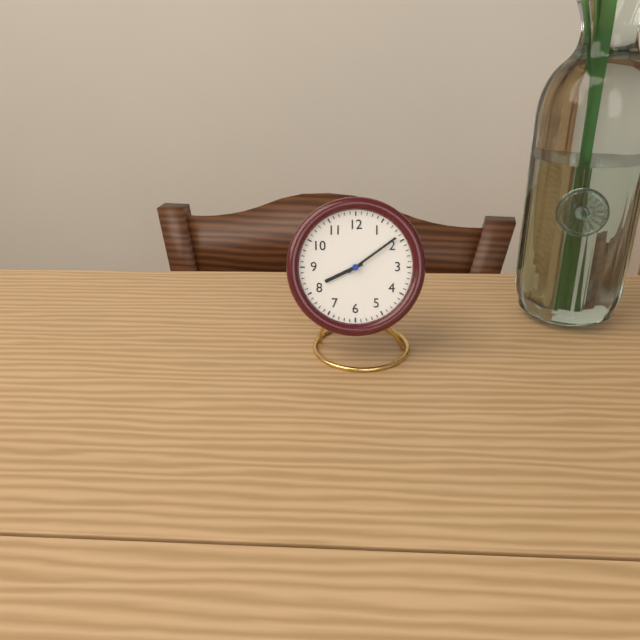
8:09
